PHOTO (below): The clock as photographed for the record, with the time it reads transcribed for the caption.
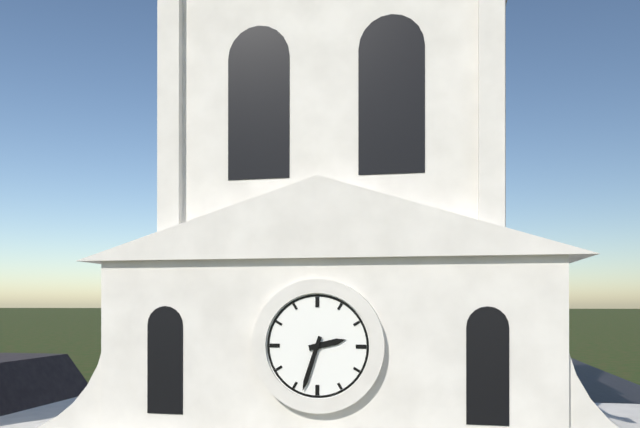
2:33
